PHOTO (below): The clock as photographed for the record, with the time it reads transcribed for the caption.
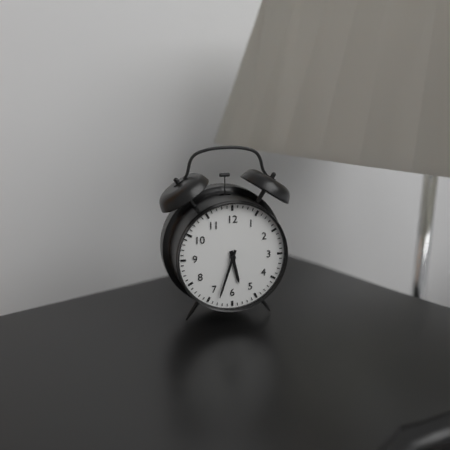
5:33
